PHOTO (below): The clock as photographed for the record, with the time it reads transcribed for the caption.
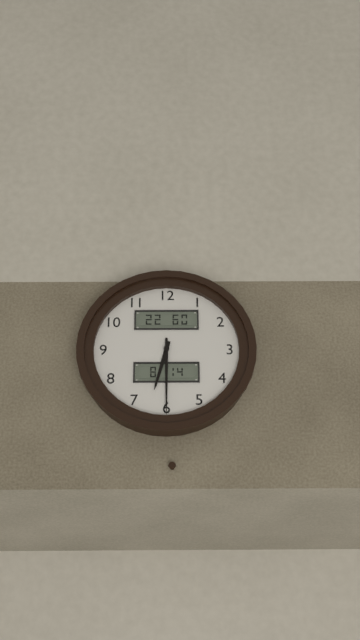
6:30
